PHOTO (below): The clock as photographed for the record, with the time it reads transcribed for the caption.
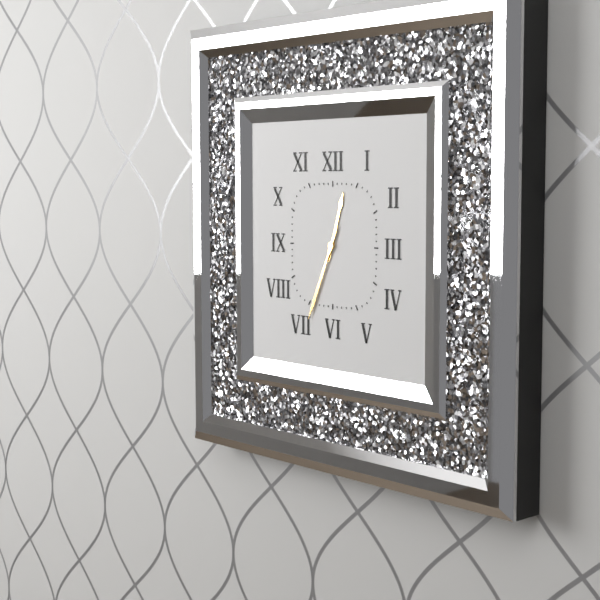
12:34
